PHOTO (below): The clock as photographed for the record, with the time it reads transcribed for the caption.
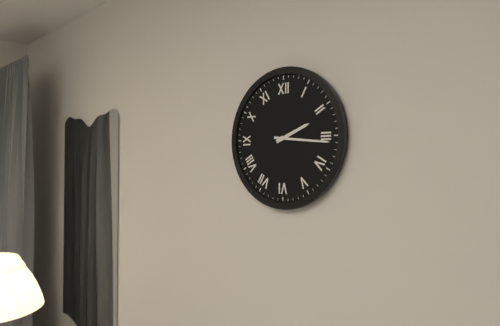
2:16
